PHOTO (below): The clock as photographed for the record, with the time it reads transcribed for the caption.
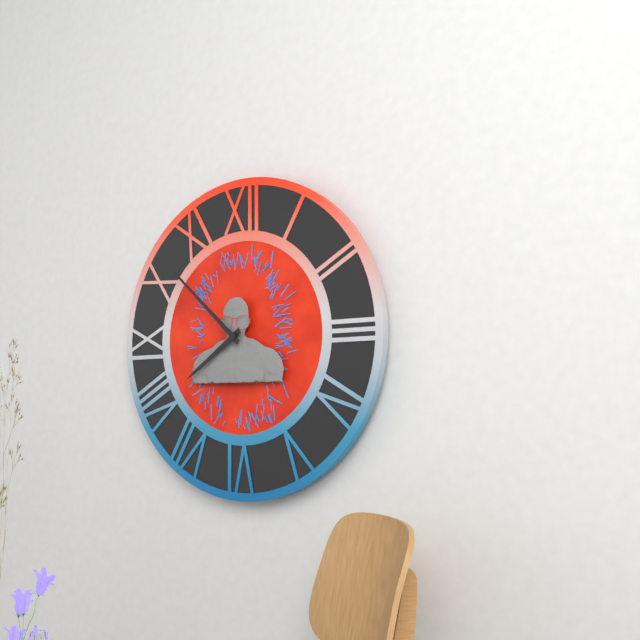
7:52
